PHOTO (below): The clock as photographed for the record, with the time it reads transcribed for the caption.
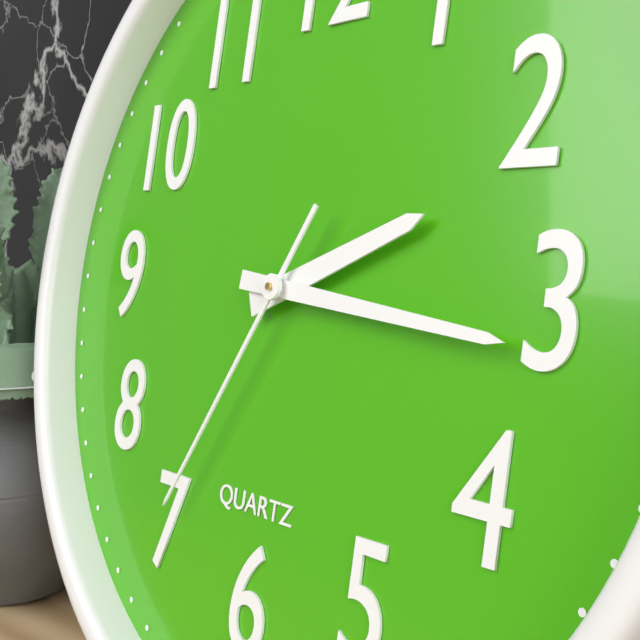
2:16:35
